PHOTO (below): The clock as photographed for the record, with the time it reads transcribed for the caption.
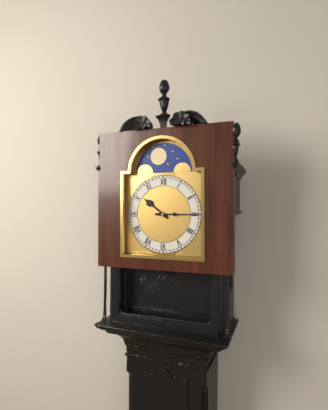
10:15
